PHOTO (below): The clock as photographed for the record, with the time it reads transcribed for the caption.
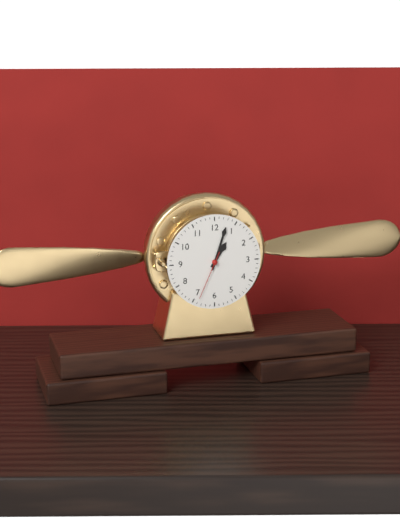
1:03
